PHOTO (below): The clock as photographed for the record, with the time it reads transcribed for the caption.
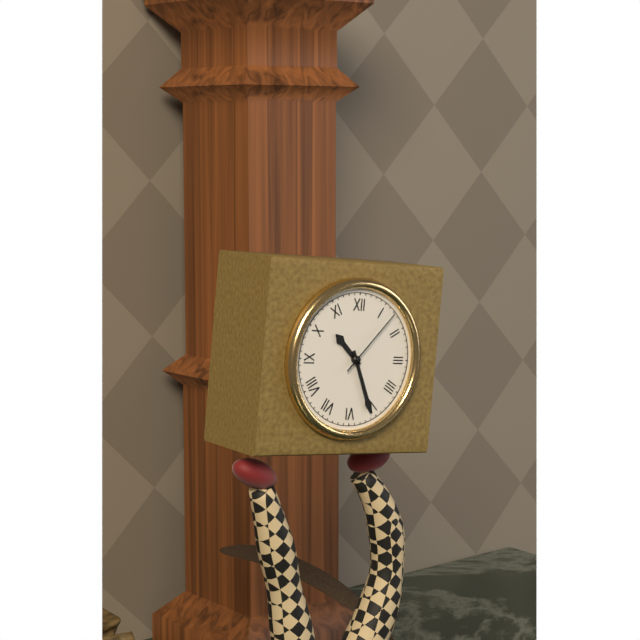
10:26:07
